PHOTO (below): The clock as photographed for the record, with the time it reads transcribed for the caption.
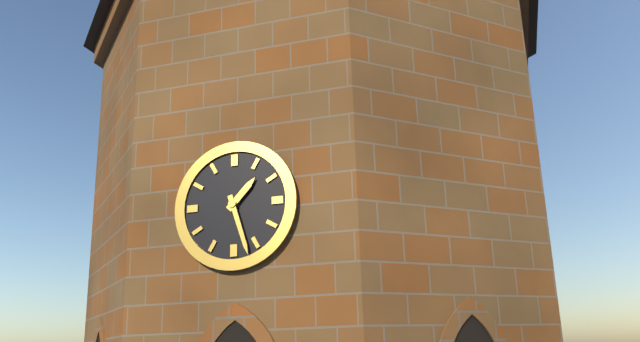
1:27
